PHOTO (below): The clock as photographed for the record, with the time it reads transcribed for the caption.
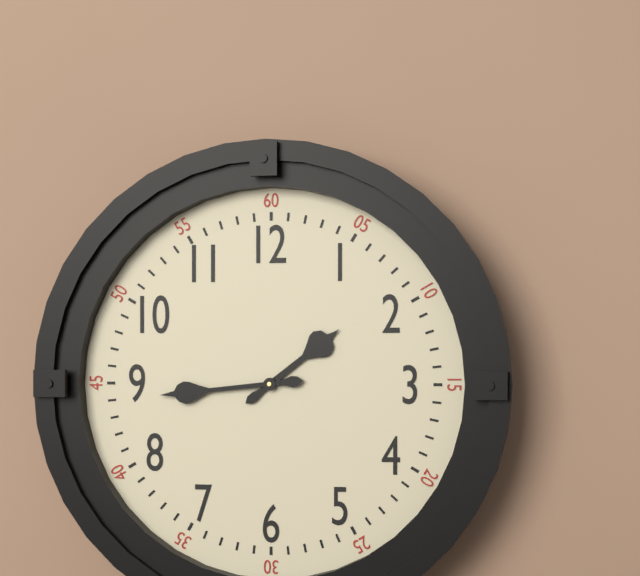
1:44
